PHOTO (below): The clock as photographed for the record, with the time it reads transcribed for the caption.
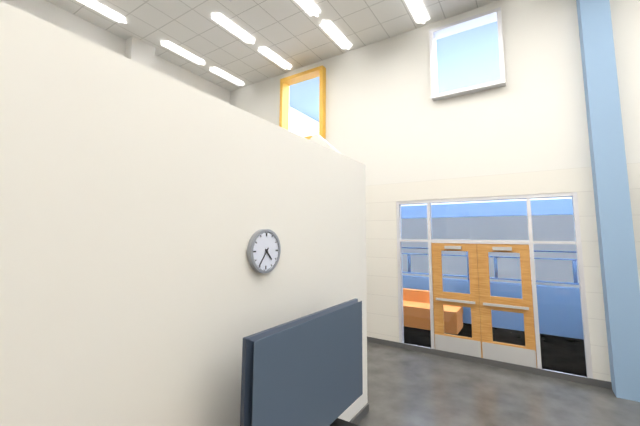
4:36
